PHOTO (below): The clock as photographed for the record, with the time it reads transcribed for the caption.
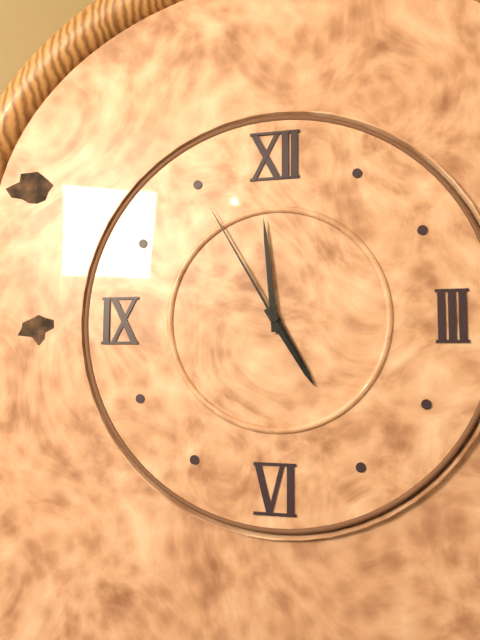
4:59:55
